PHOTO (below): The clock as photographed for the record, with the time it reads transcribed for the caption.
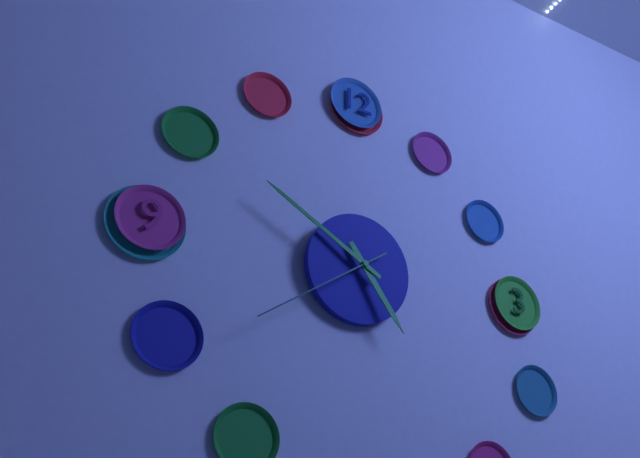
4:50:39
